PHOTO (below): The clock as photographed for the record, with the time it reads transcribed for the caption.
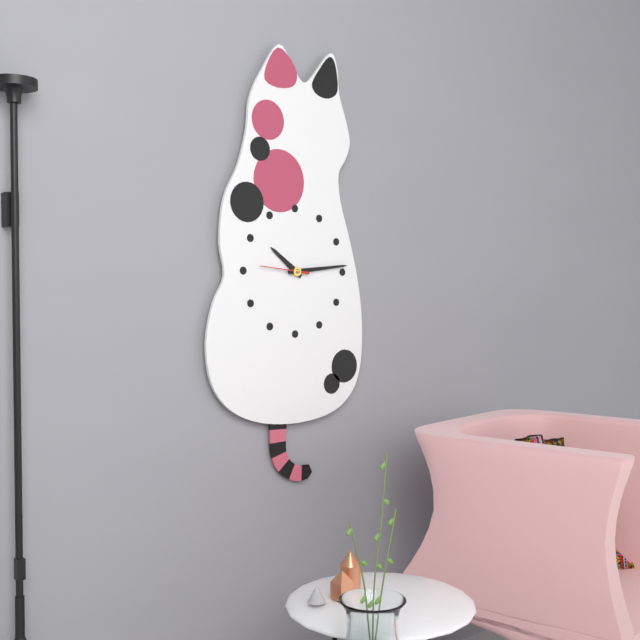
10:14
